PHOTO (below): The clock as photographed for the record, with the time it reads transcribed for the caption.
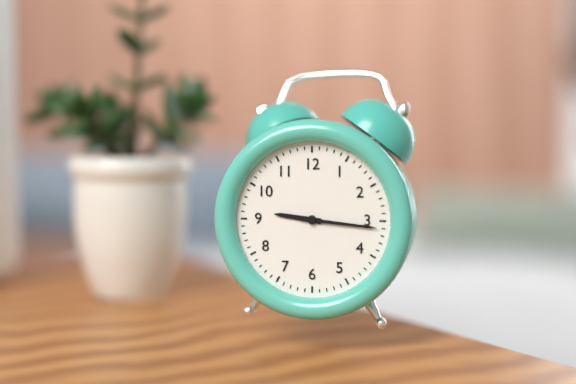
9:16
